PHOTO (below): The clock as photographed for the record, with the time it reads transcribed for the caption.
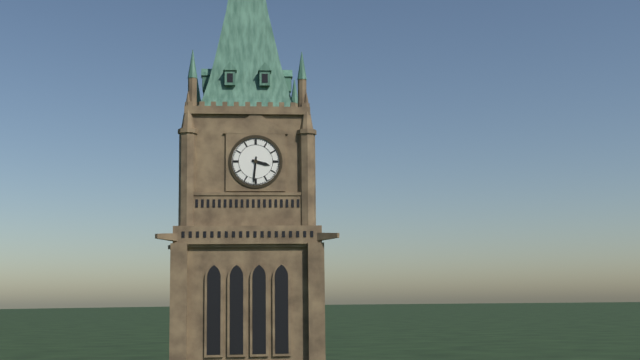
3:31
